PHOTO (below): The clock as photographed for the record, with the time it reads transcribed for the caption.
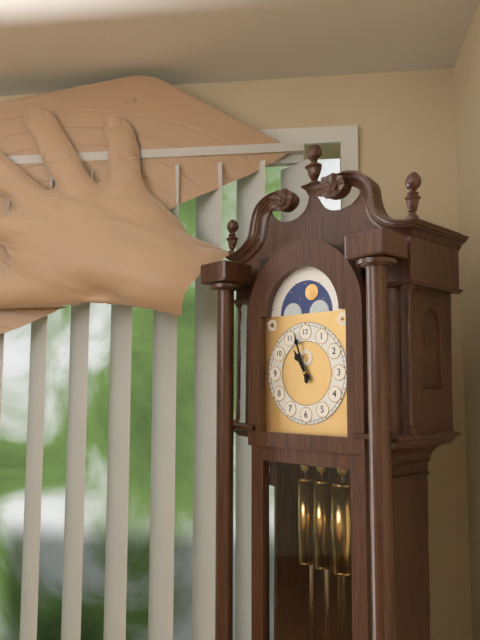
10:57
